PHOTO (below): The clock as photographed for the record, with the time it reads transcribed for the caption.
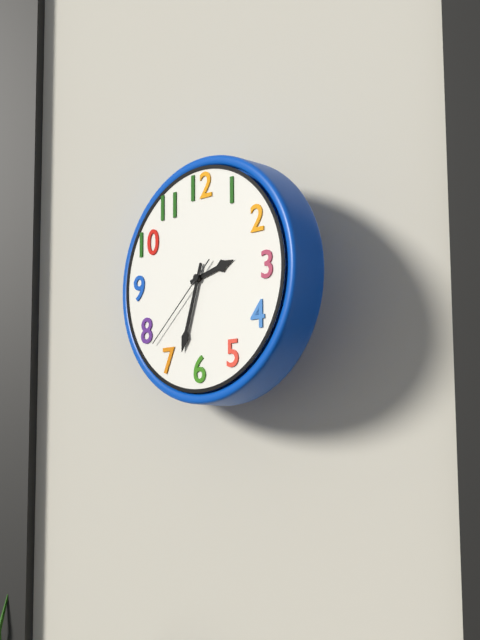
2:33:38
